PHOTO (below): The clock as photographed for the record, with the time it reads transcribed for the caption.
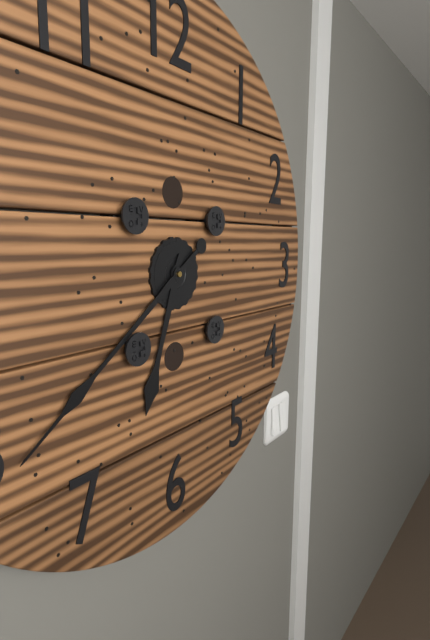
6:39
